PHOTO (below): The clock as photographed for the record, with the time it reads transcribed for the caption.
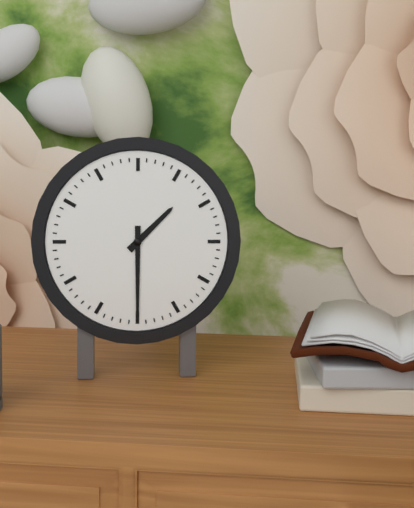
1:30
